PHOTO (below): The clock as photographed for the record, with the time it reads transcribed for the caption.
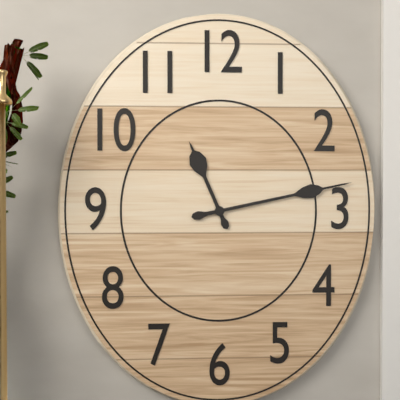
11:13
